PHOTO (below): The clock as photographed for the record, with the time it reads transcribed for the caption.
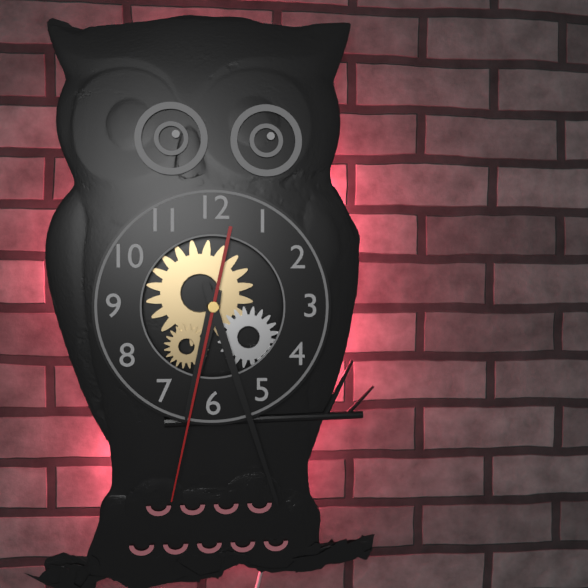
6:27:32
